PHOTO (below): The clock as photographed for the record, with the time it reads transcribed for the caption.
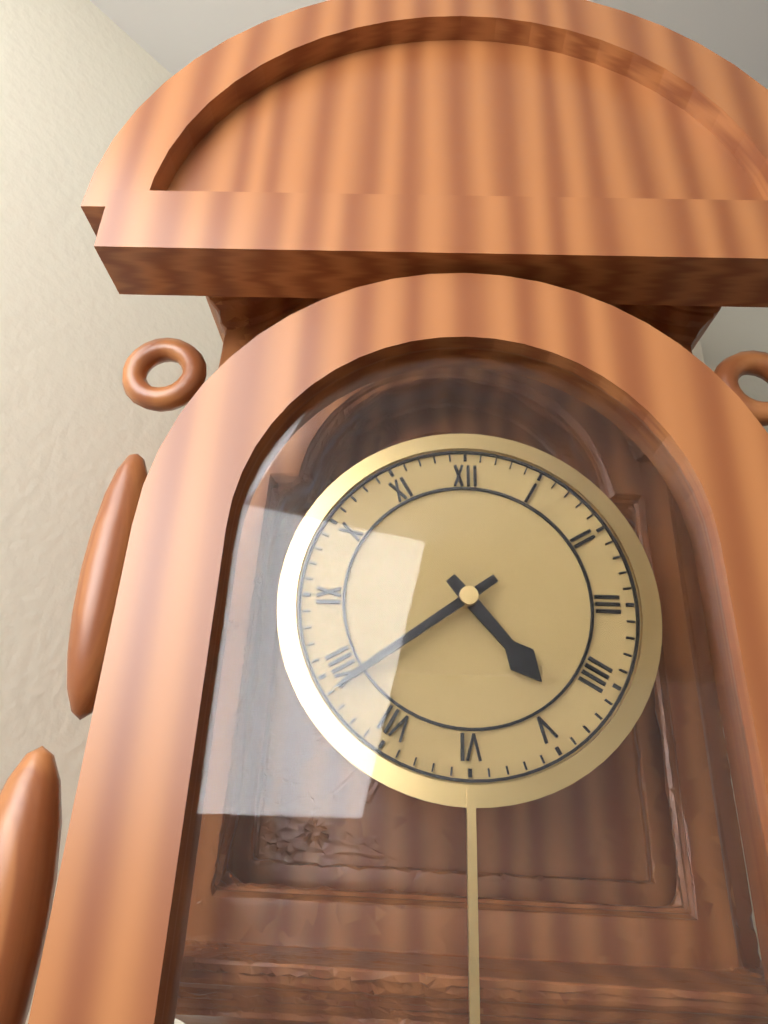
4:39
